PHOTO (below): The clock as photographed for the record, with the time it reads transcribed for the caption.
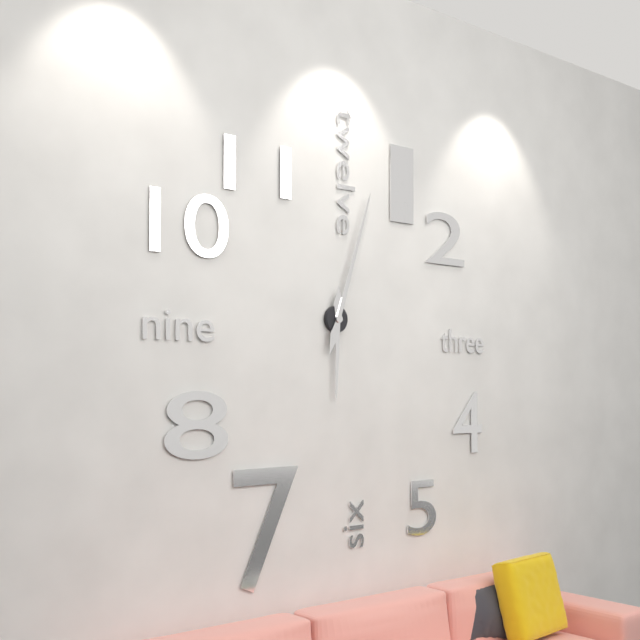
6:03
